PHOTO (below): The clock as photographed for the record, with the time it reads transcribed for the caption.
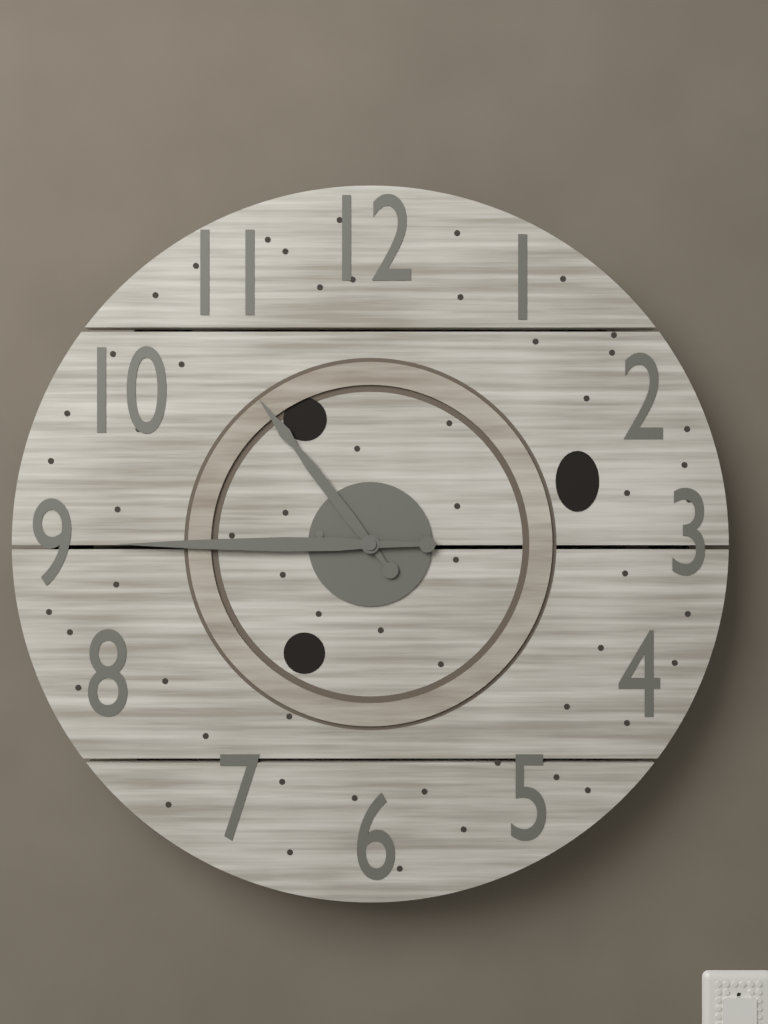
10:45
